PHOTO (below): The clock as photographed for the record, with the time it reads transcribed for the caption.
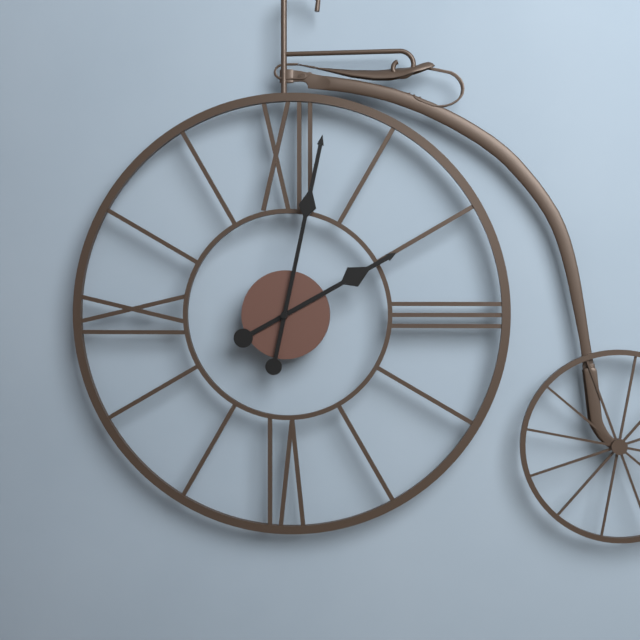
2:02
